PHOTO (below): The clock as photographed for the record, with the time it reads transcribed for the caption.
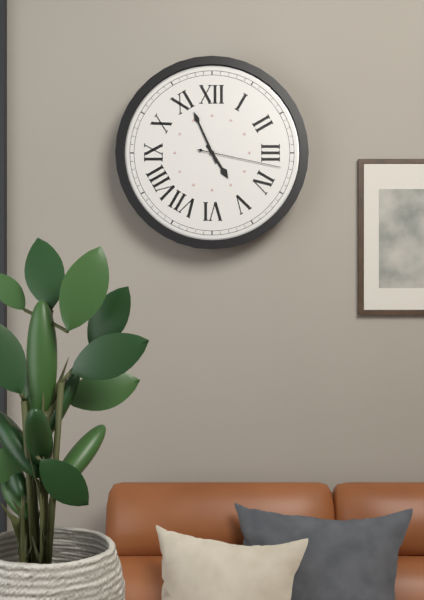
4:56:17
